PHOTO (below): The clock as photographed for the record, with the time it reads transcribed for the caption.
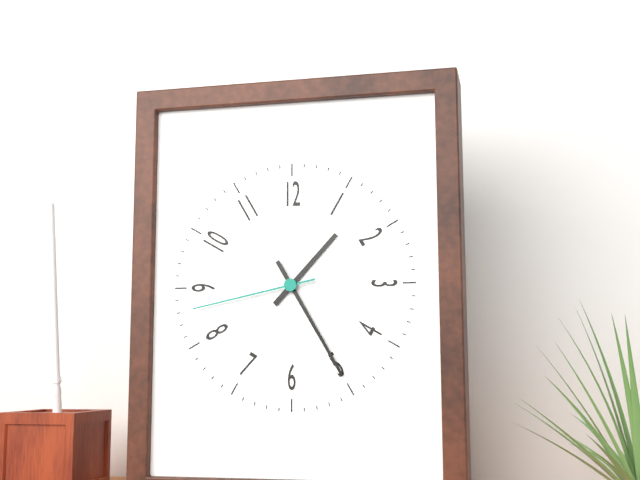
1:25:43
